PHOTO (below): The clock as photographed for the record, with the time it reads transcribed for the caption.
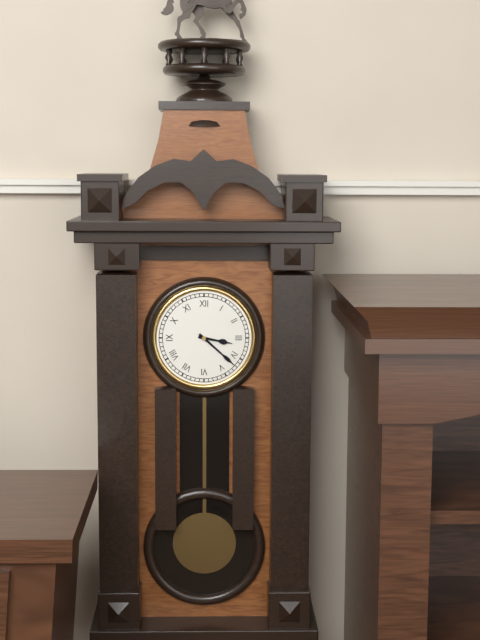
3:22
